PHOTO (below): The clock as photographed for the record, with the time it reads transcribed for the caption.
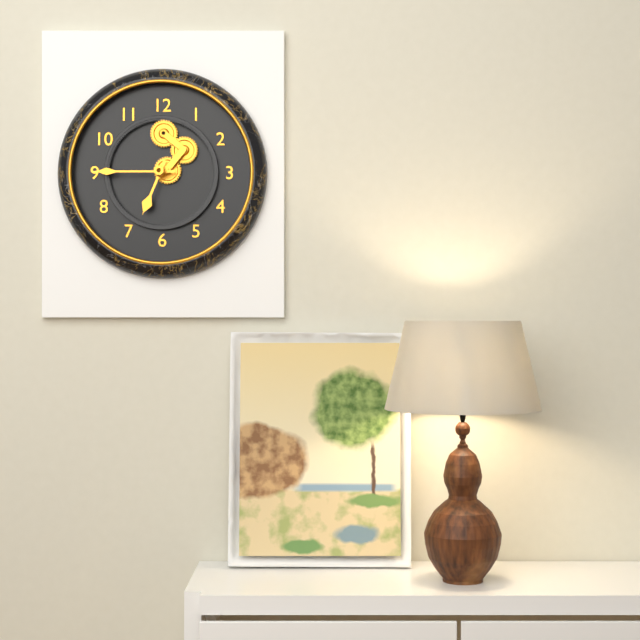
6:45
